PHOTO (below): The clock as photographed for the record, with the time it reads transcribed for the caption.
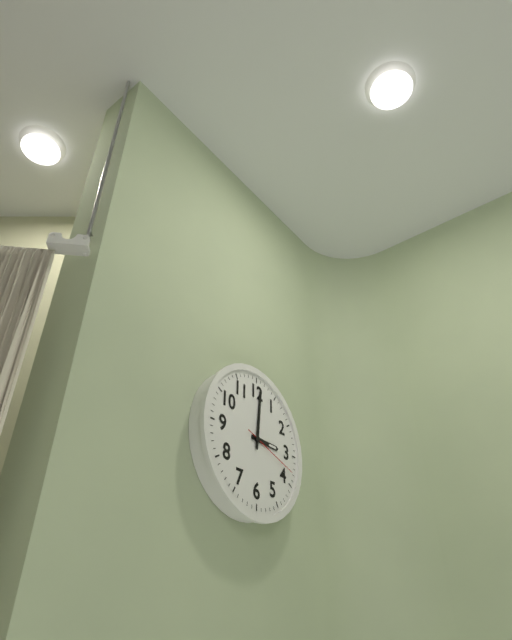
3:01:18
